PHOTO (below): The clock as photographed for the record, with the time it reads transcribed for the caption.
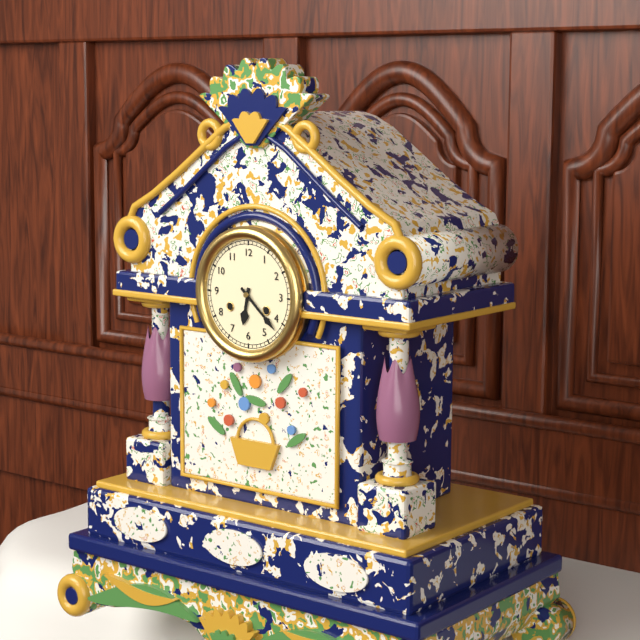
6:22
